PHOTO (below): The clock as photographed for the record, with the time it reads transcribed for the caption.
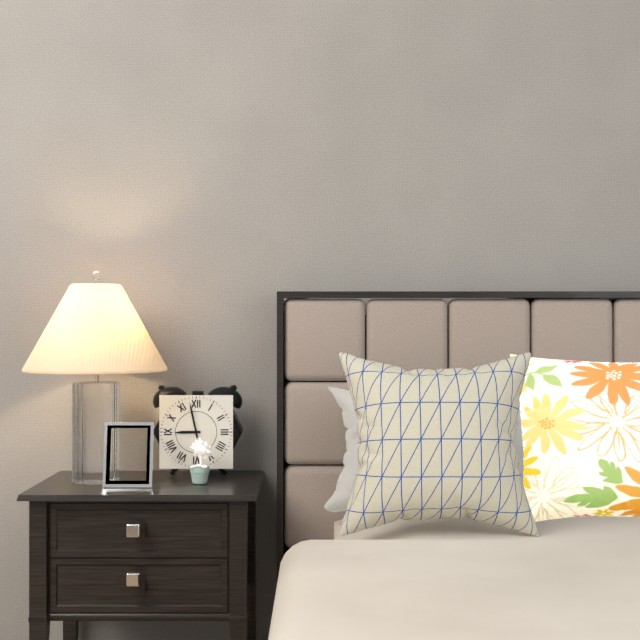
8:58
